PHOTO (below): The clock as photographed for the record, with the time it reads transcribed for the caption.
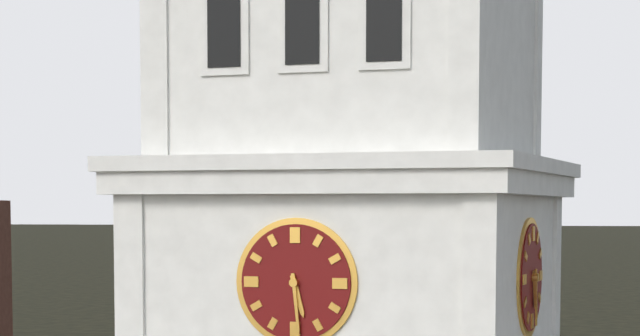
5:29
